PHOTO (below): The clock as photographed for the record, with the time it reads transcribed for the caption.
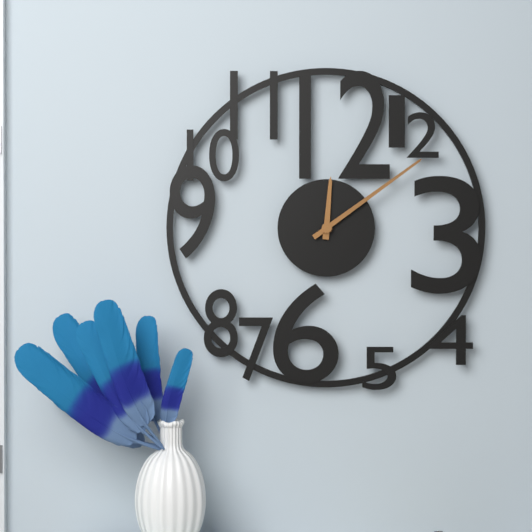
12:09
